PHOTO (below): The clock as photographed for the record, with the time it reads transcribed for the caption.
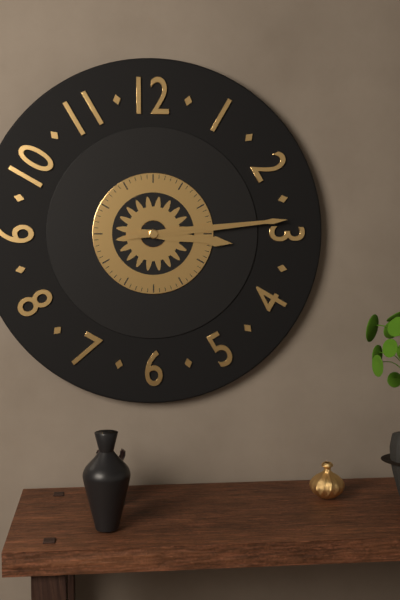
3:14:14
